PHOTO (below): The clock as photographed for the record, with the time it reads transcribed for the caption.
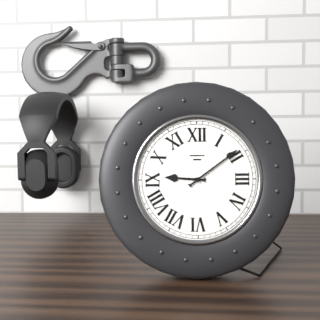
9:09
